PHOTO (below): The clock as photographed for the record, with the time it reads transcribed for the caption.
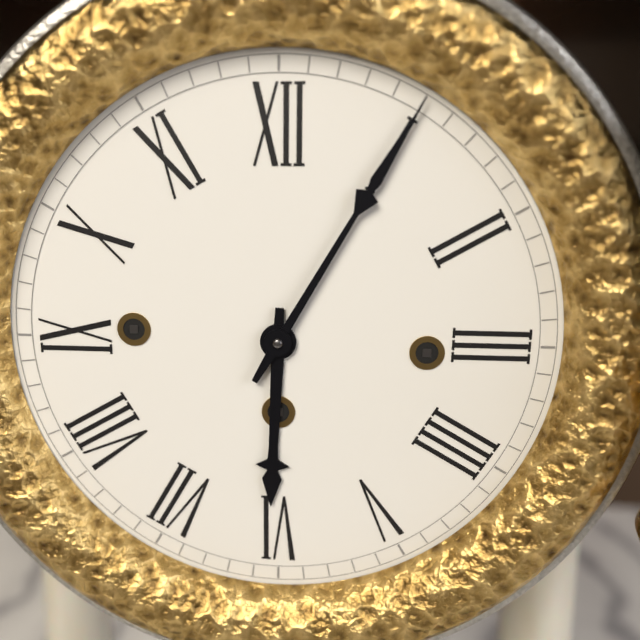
6:05
